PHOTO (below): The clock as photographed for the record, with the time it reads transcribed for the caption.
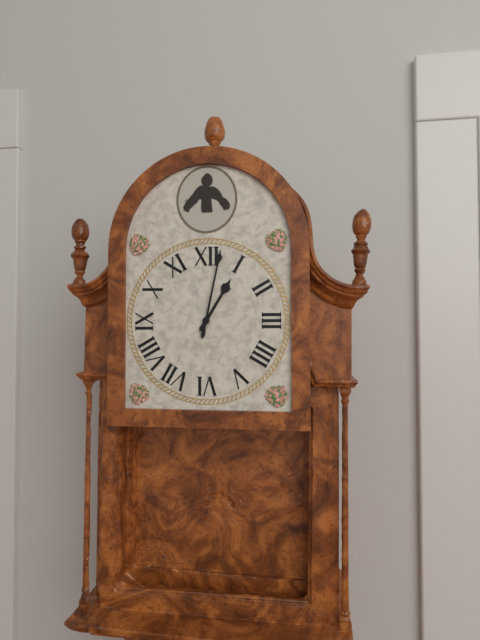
1:02
